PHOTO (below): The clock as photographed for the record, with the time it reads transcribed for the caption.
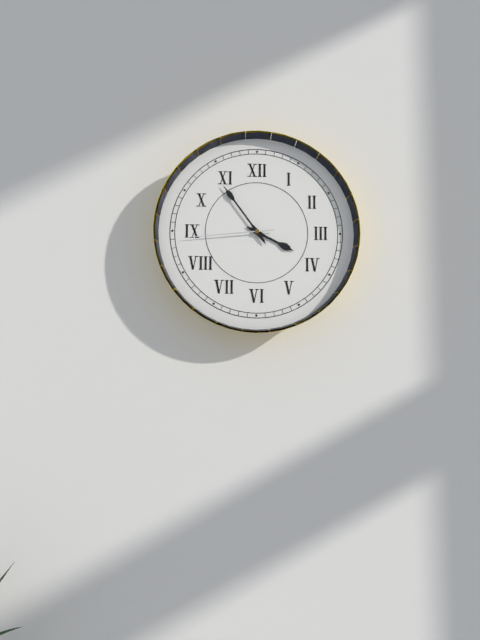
3:54:44
